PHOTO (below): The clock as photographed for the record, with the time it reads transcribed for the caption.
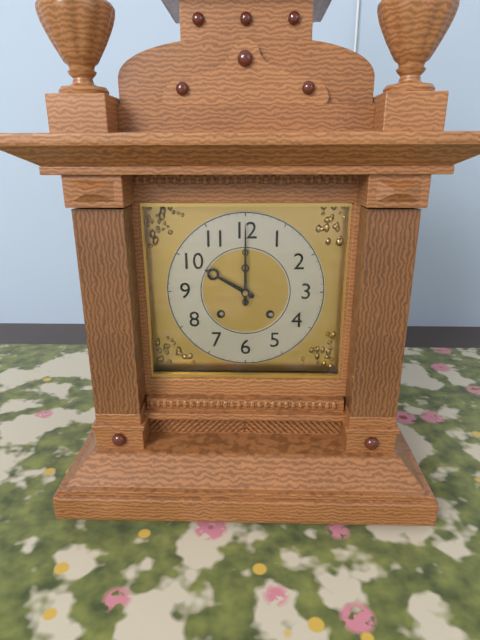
10:00
